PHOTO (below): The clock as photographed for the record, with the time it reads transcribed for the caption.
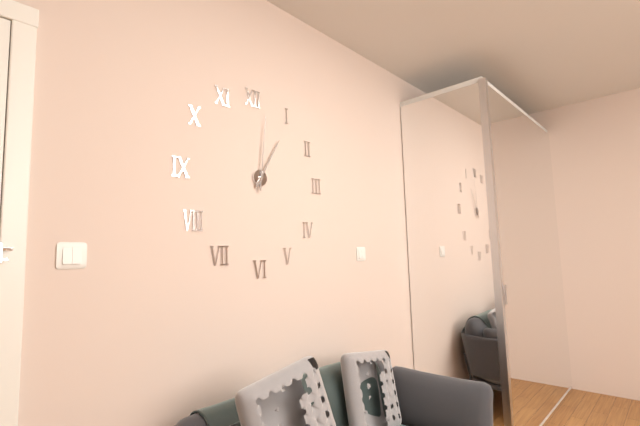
1:01
